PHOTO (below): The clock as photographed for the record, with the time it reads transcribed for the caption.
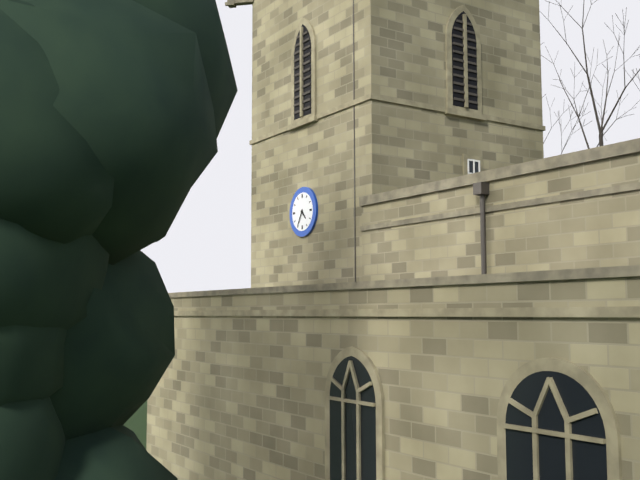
4:35
